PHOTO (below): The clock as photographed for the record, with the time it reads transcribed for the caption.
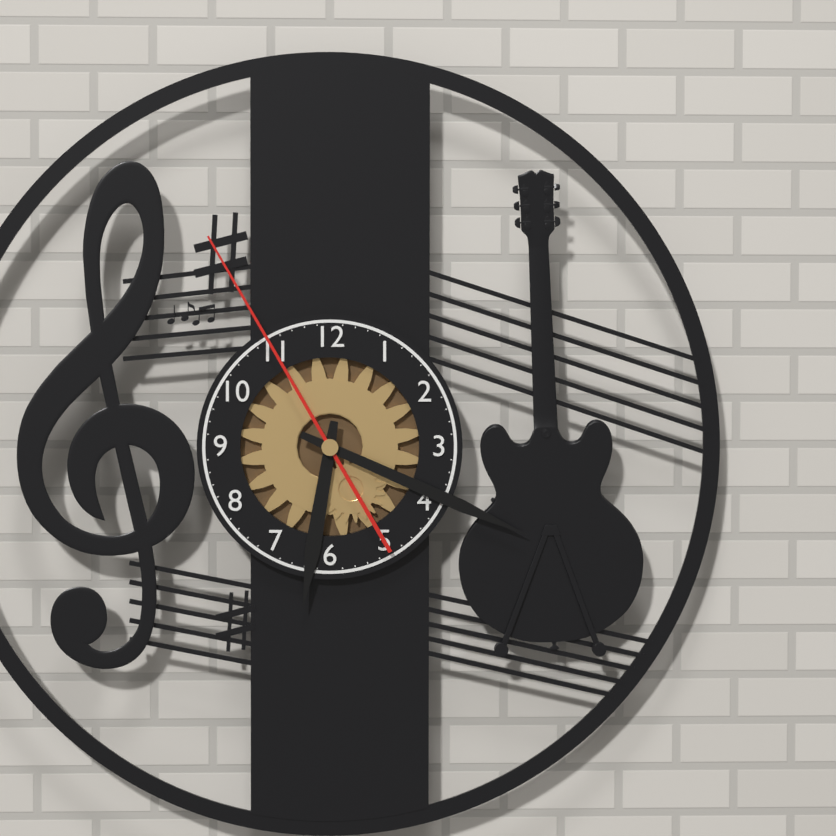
6:19:55
